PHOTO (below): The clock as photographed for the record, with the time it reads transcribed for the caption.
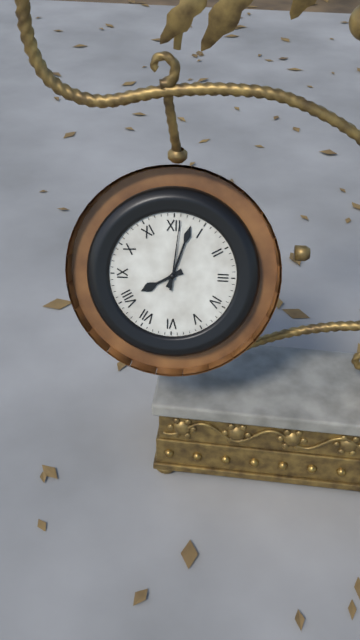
8:03:01
